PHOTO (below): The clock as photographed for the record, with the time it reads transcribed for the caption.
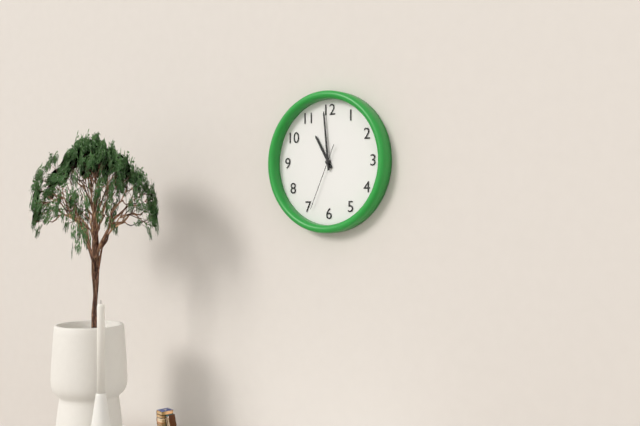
10:59:34
